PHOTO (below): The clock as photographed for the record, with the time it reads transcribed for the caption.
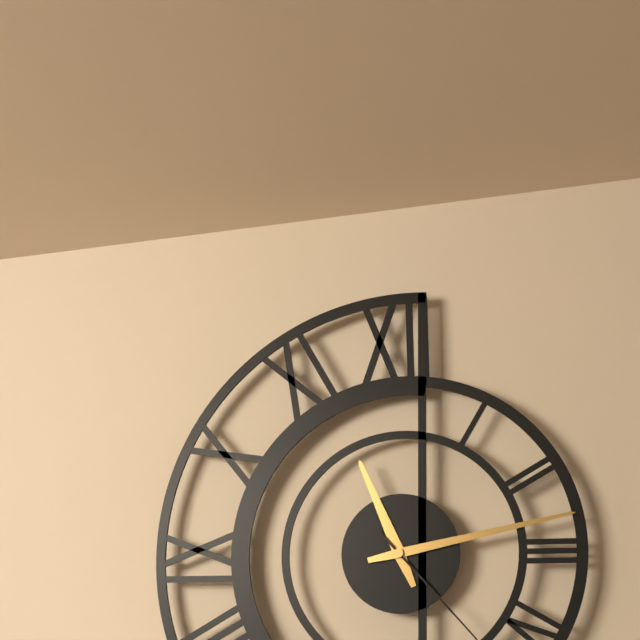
11:13:23
